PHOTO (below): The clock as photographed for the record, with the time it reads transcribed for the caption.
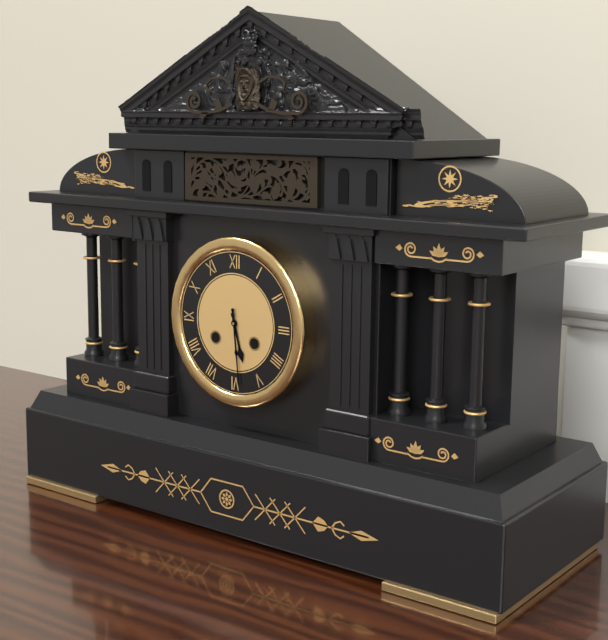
5:29
